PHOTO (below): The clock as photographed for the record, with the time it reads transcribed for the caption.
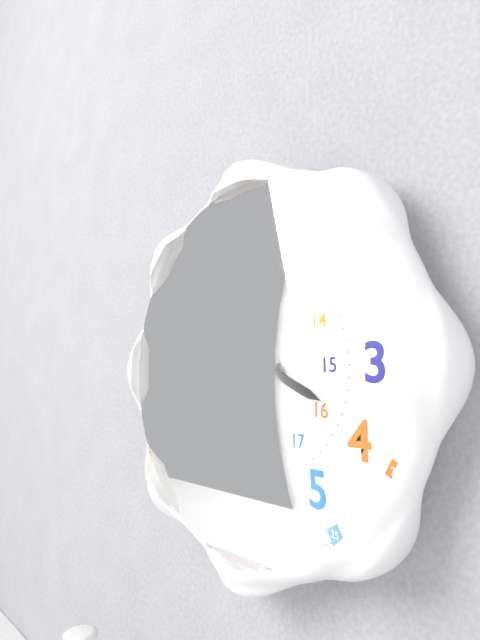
3:45:30
